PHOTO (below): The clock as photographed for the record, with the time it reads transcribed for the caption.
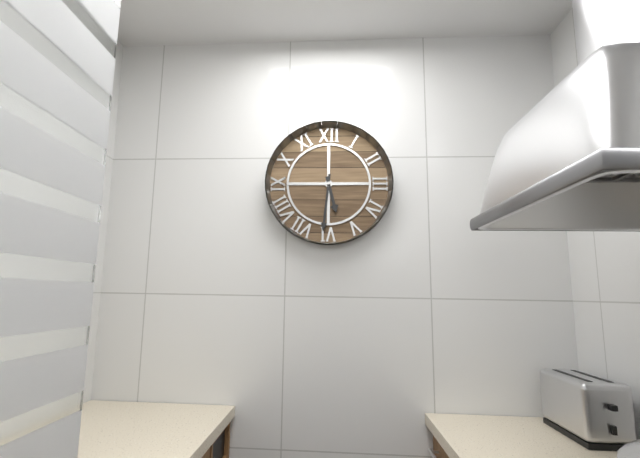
5:31
